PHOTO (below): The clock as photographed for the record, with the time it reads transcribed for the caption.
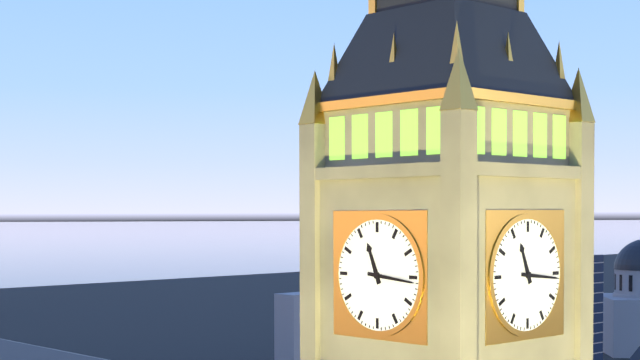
11:16
